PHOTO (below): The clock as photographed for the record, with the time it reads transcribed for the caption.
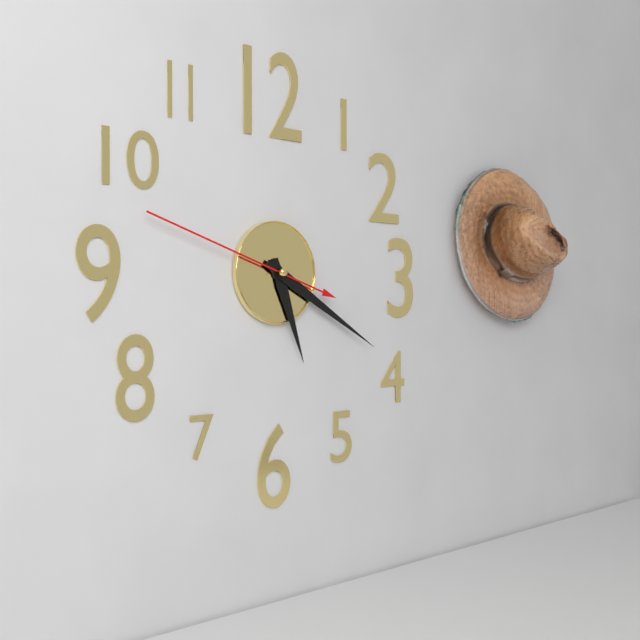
5:20:48
